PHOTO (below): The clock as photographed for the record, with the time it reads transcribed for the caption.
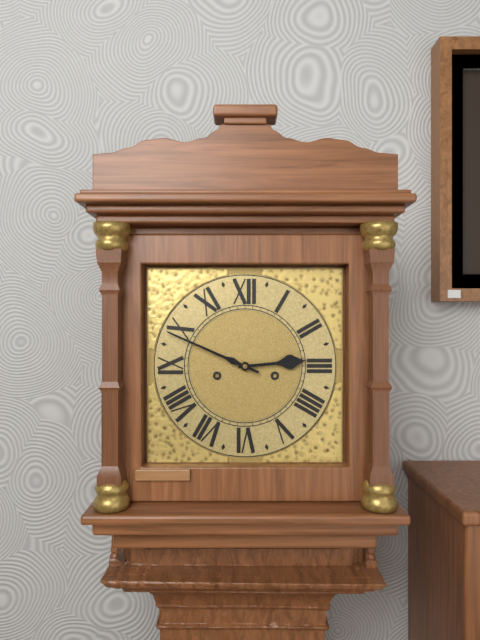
2:49
